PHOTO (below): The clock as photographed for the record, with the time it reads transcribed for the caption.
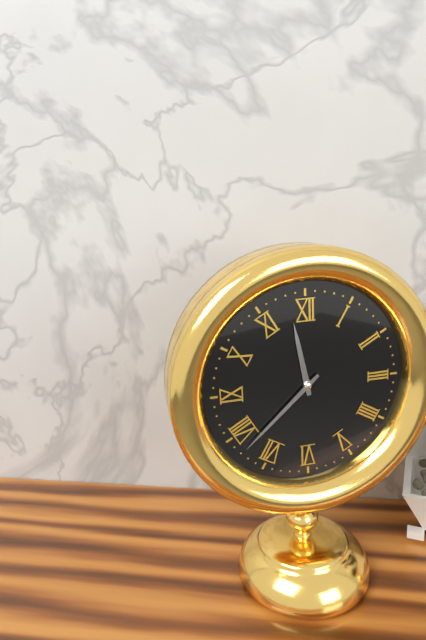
11:38
